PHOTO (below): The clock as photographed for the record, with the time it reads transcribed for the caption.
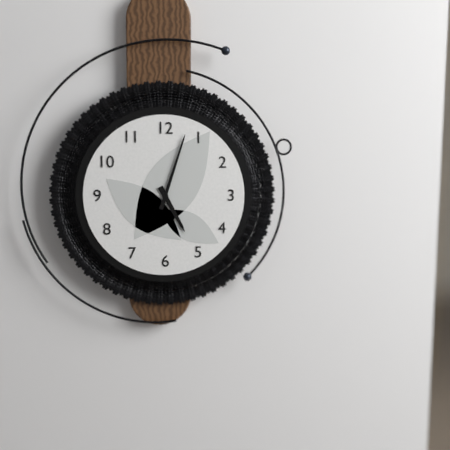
5:03
